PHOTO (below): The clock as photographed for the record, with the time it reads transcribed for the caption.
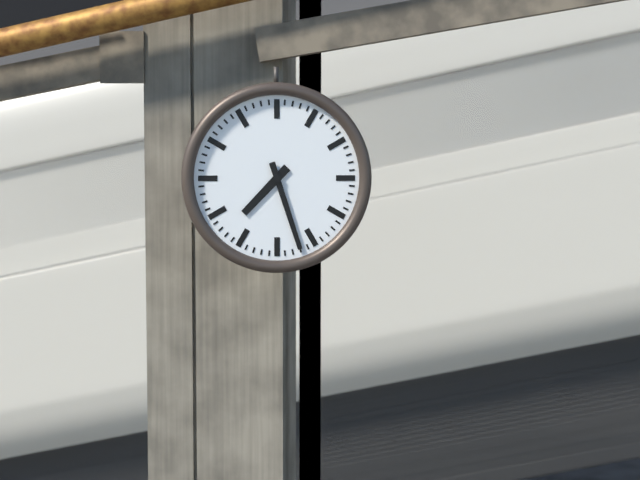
7:27
